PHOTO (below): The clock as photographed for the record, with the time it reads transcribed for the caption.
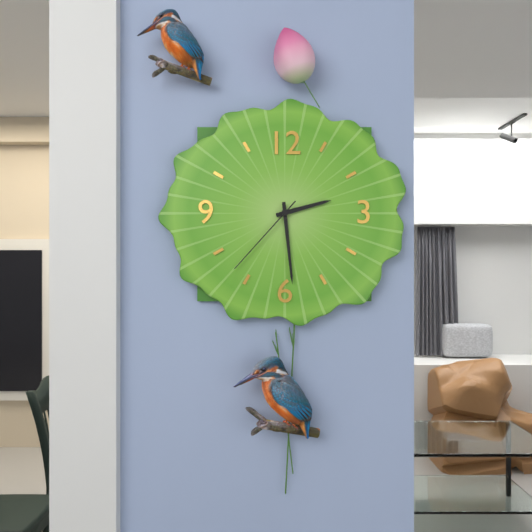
2:29:37
